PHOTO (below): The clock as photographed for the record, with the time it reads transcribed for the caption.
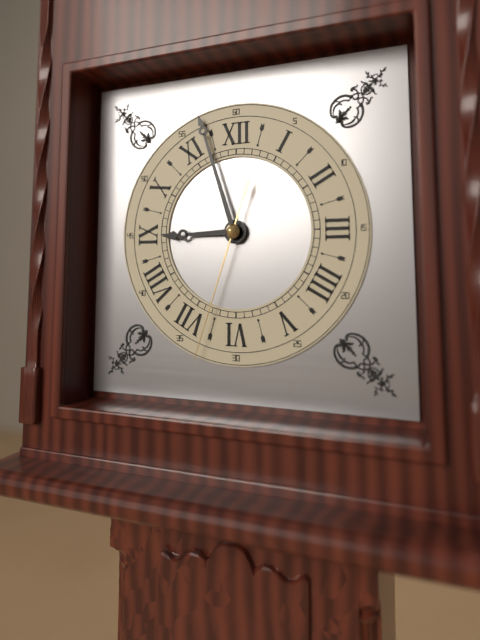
8:57:33
